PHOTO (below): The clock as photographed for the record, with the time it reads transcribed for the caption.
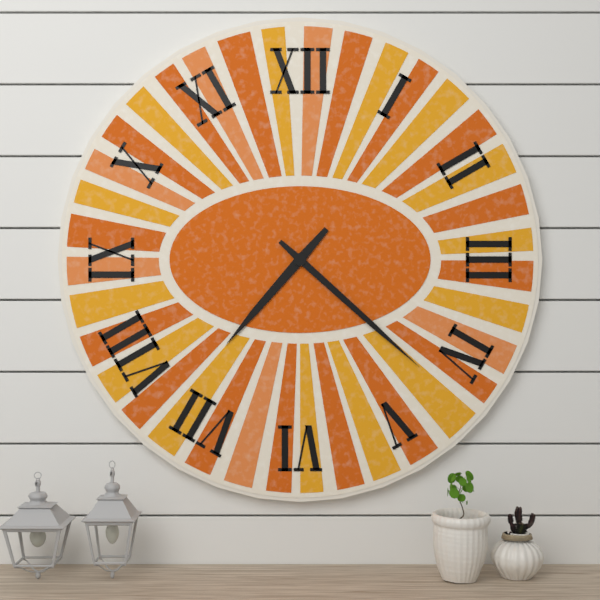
7:22
